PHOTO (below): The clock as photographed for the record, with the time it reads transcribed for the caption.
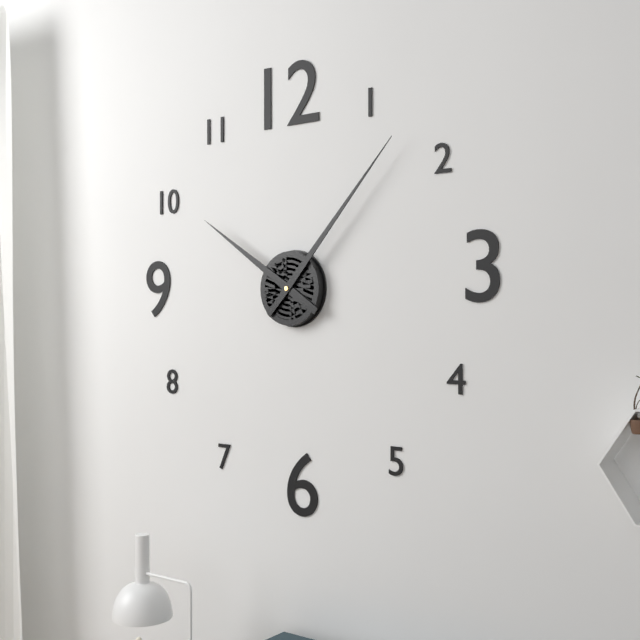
10:07
